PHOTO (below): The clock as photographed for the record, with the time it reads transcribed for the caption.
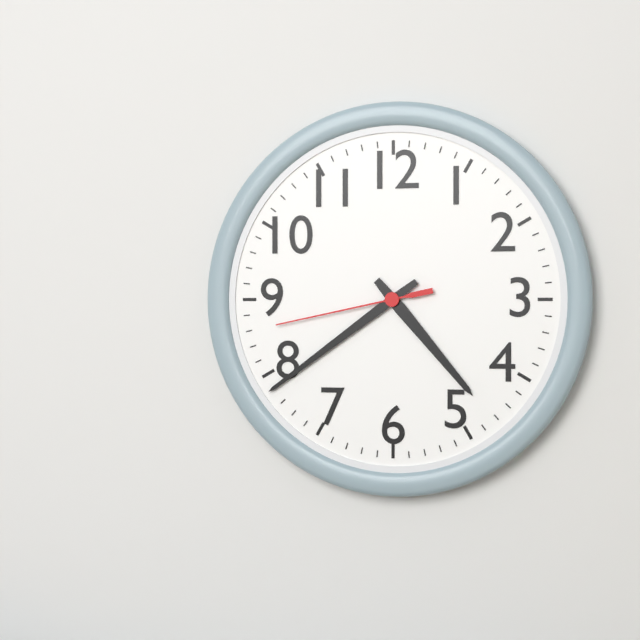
4:39:43
